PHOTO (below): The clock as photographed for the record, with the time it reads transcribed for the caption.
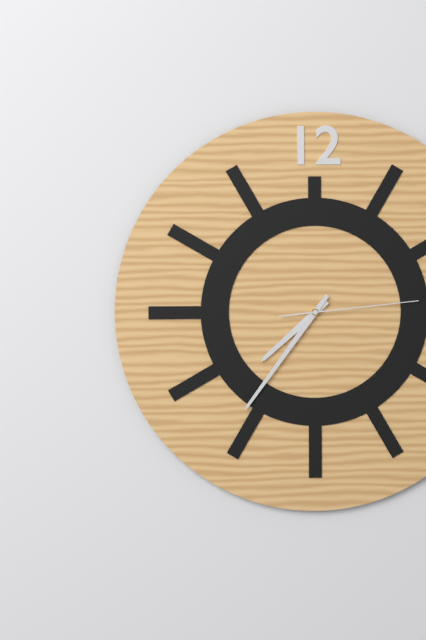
7:36:14
